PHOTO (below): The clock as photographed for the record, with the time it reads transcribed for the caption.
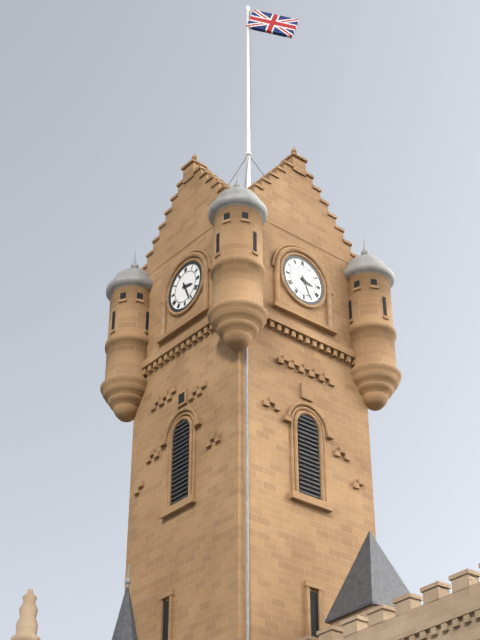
3:26
